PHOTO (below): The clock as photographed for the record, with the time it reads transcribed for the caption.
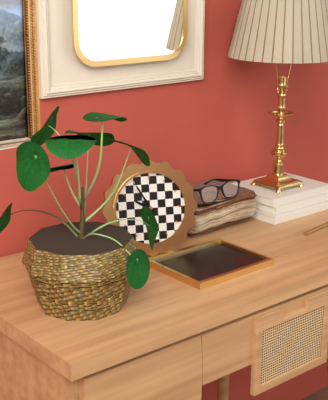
9:55
